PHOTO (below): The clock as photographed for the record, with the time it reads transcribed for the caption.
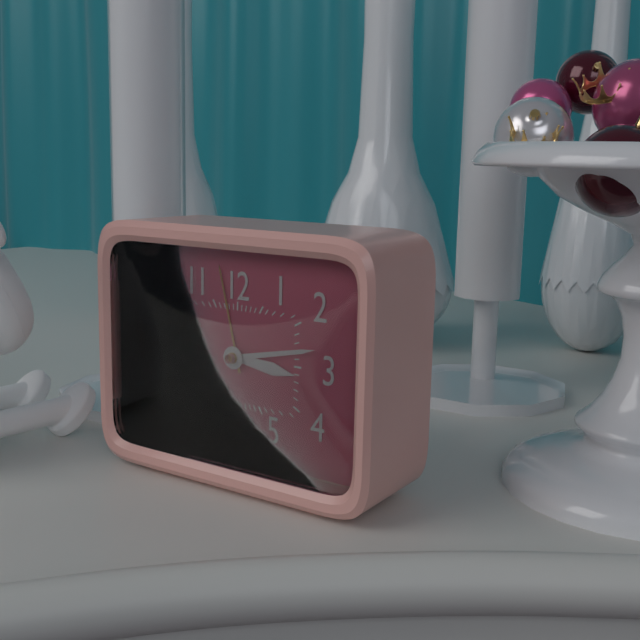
3:13
